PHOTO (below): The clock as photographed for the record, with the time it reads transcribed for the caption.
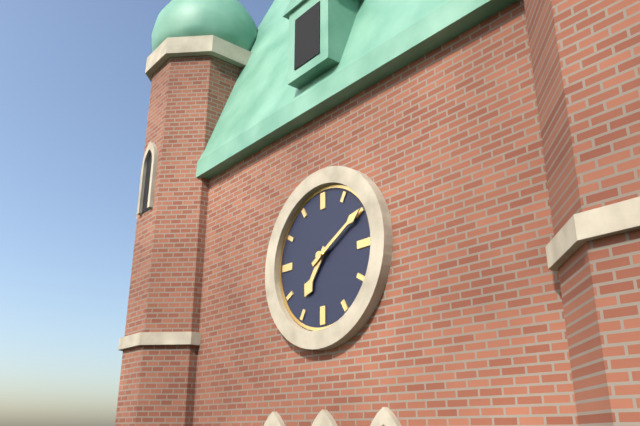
7:10
